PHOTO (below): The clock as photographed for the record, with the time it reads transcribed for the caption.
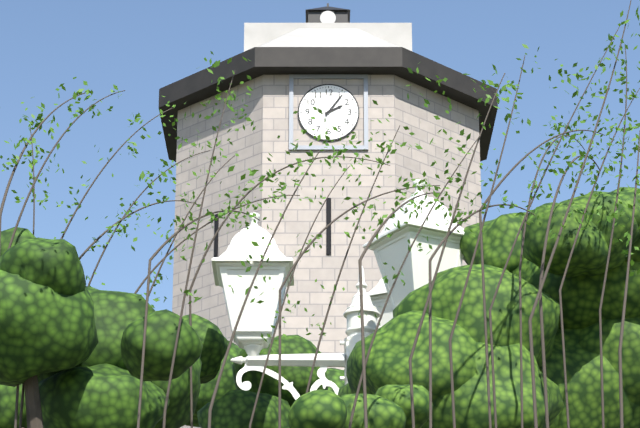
2:06
